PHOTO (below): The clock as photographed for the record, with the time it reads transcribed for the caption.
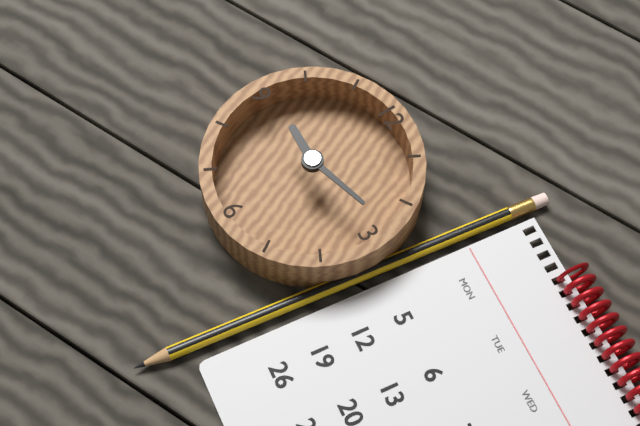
9:13
